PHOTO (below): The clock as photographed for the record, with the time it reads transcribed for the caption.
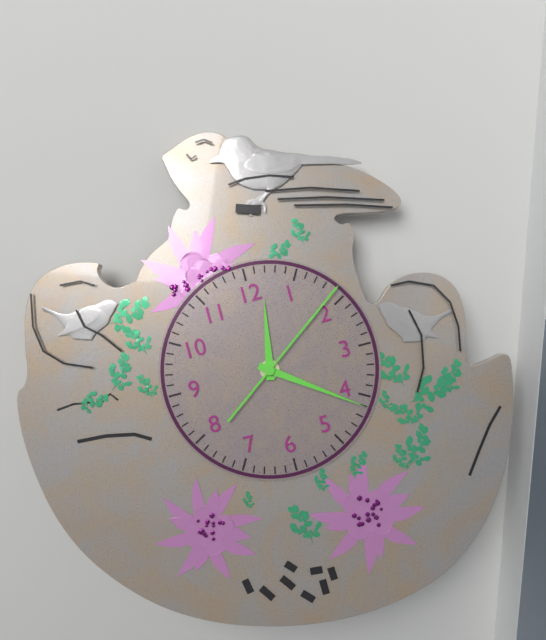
12:21:09
